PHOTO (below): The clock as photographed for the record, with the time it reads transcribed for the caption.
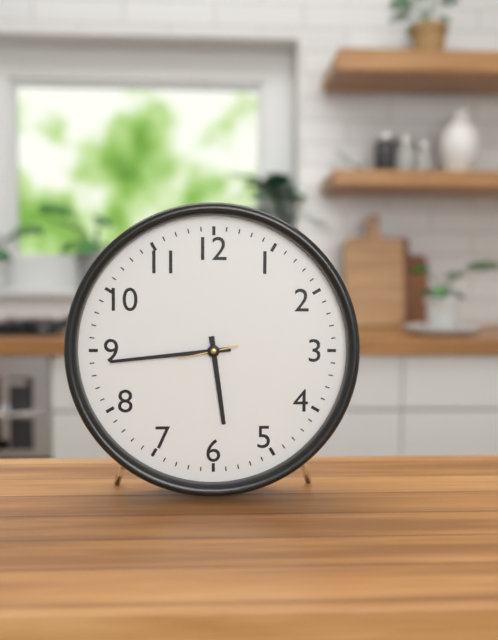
5:44
